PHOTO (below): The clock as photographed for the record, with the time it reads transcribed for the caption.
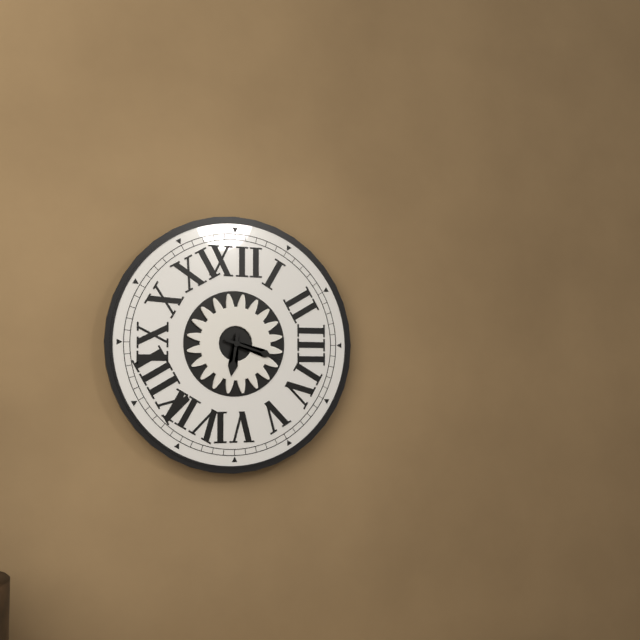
6:18
